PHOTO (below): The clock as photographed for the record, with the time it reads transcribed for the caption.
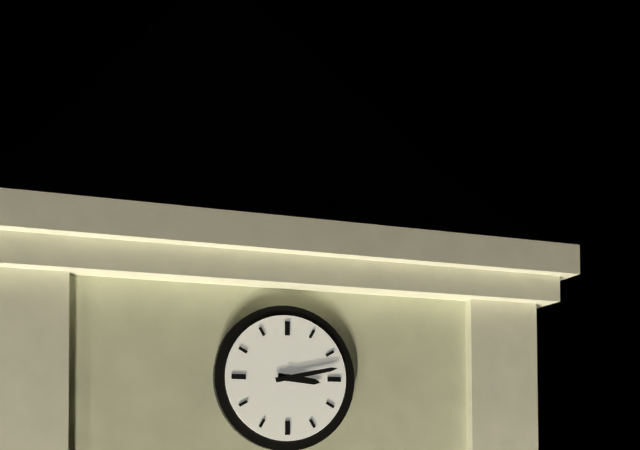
3:13
